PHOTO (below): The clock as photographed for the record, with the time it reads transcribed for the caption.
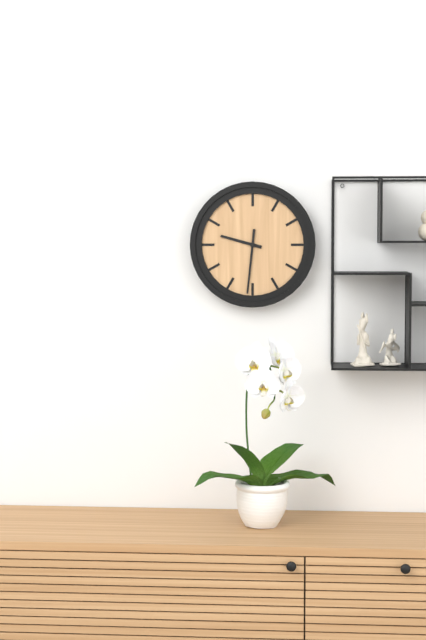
9:31
